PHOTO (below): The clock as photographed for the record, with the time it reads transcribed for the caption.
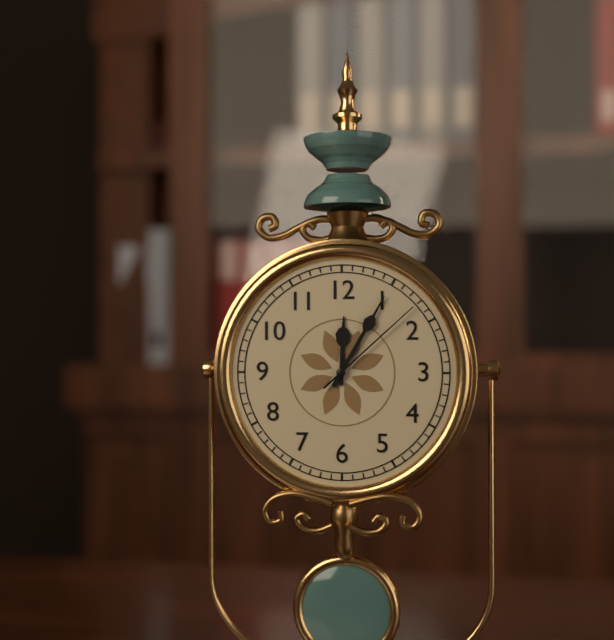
12:05:08
